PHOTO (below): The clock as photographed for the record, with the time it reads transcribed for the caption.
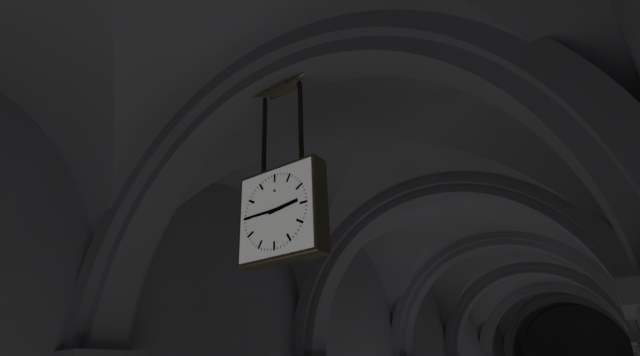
2:45
